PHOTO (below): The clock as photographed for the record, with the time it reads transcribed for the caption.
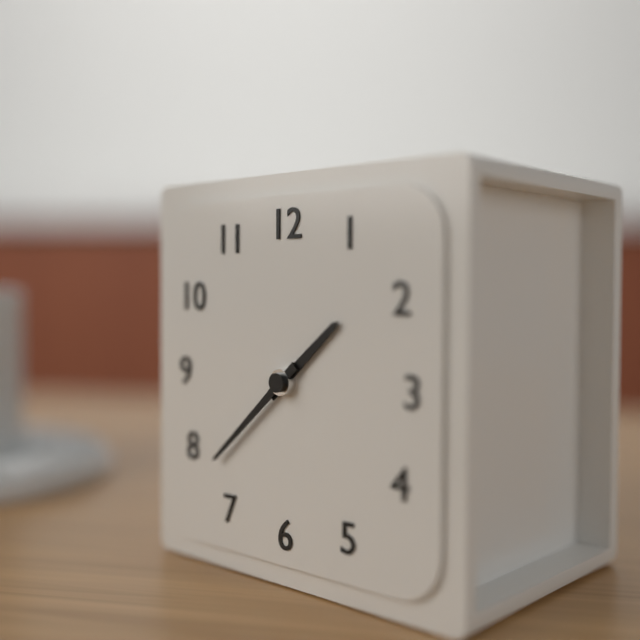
1:38
